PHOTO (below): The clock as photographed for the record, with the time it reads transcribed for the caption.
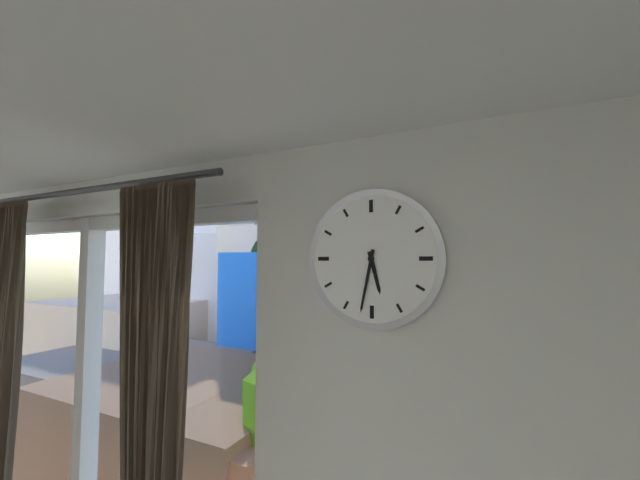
5:32
